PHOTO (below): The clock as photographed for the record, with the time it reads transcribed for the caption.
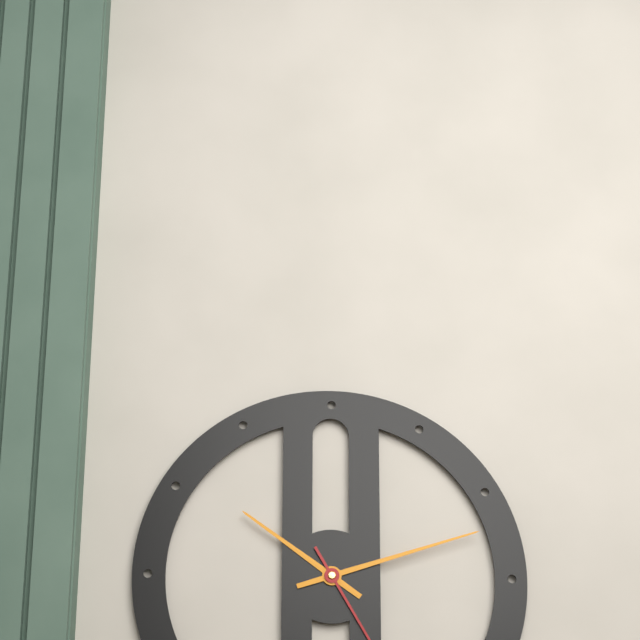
10:12
